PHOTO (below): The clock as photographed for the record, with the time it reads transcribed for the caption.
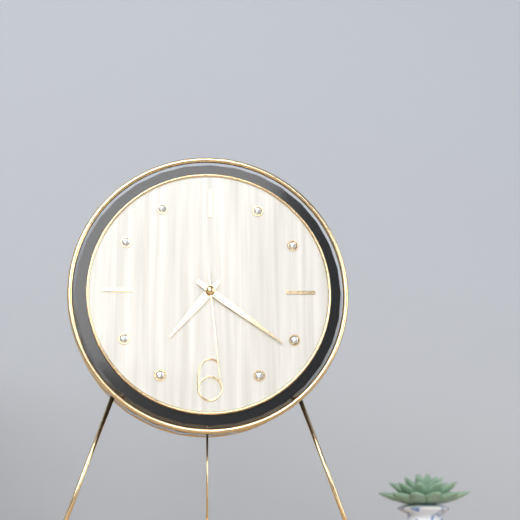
7:21:29
